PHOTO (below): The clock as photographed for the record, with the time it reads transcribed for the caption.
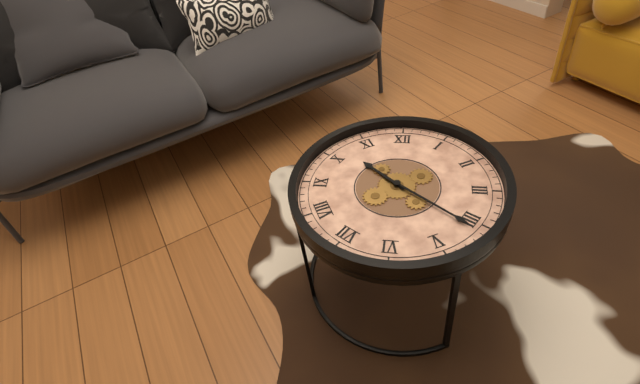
10:21
